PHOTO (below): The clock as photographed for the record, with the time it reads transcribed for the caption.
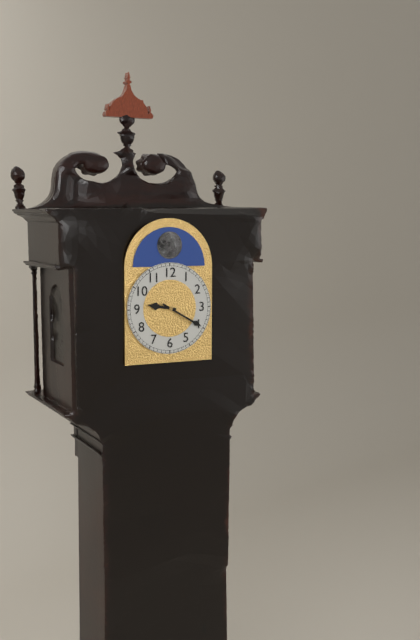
9:20
